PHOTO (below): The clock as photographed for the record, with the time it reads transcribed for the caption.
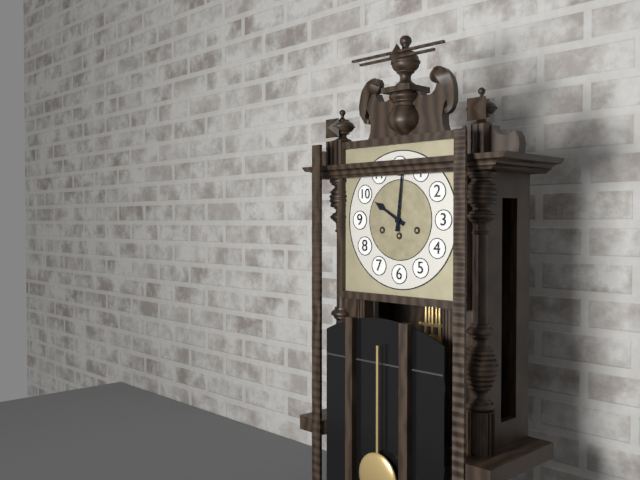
10:01
